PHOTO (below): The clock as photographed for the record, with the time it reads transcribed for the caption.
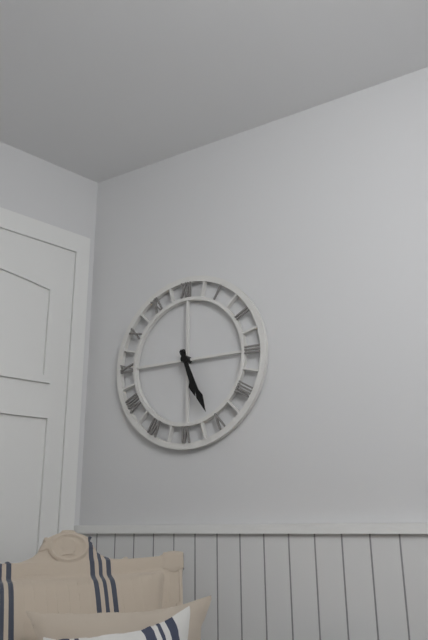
5:26
